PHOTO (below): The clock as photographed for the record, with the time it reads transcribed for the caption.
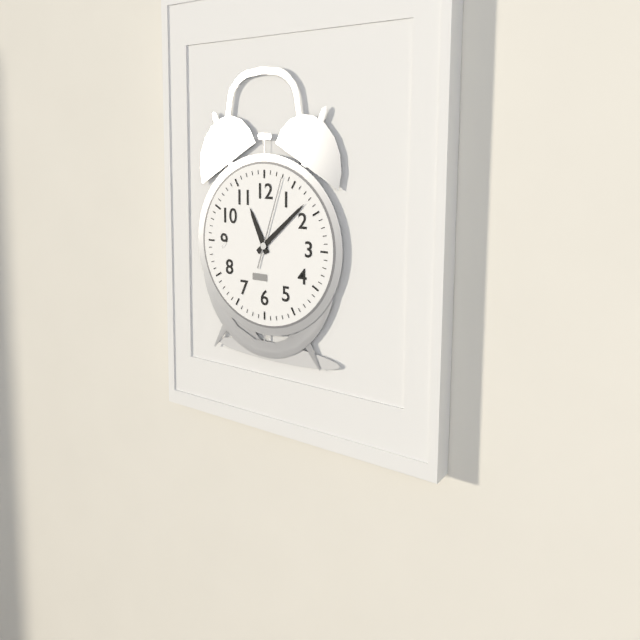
11:08:03
